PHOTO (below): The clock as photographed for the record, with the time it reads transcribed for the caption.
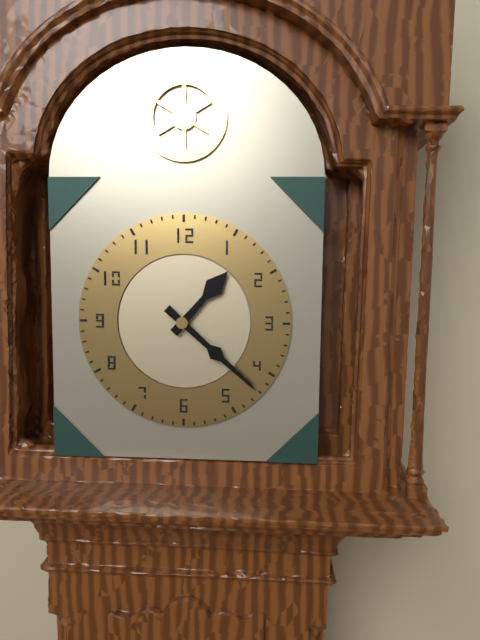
1:22
